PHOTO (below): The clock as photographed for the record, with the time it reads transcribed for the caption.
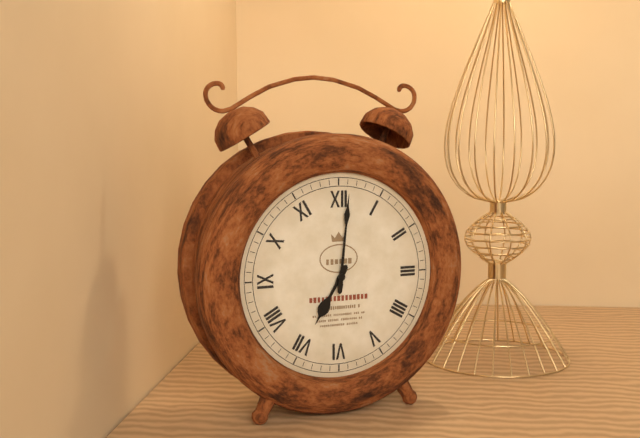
7:01
